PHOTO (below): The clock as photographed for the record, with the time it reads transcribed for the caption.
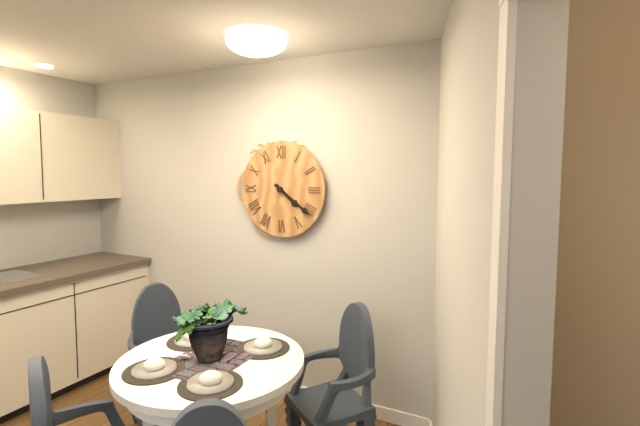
4:21
